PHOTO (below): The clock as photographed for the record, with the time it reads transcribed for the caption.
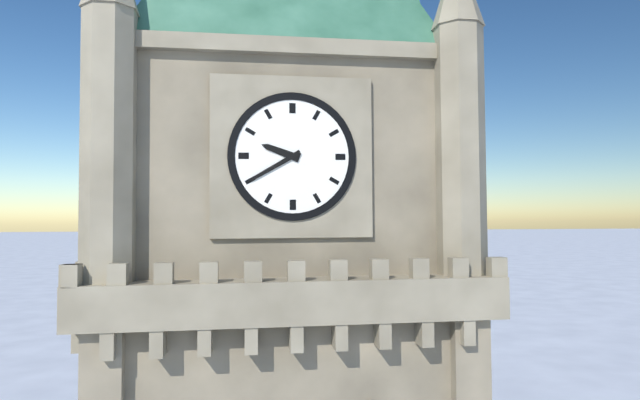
9:40
